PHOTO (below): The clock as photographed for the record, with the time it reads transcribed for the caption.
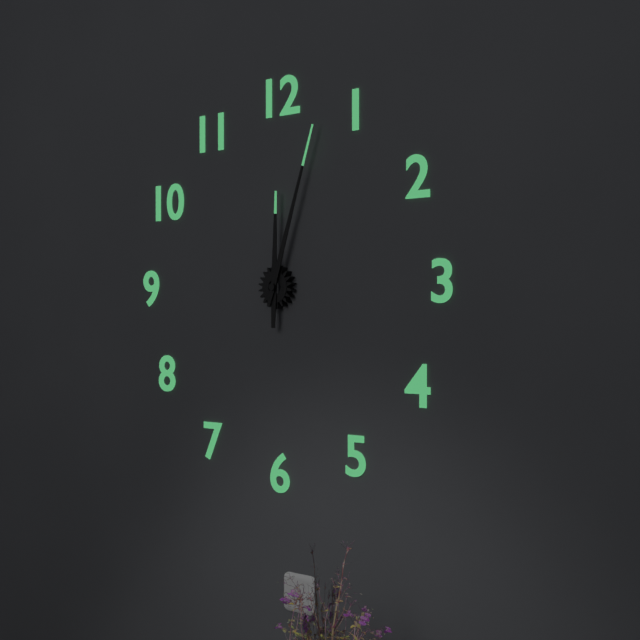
12:03
